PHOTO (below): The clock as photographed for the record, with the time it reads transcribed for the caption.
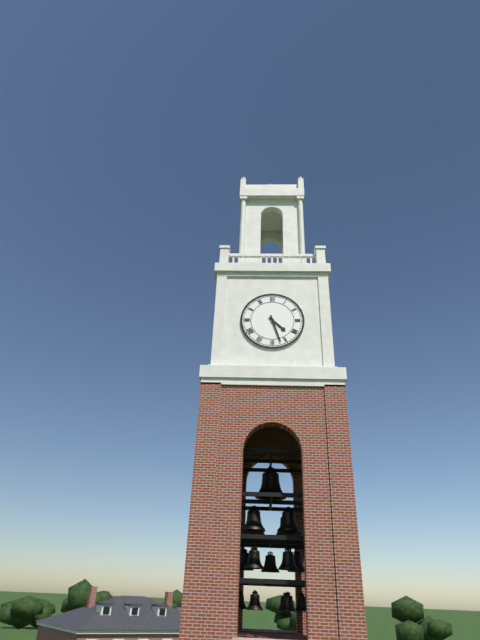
4:27
